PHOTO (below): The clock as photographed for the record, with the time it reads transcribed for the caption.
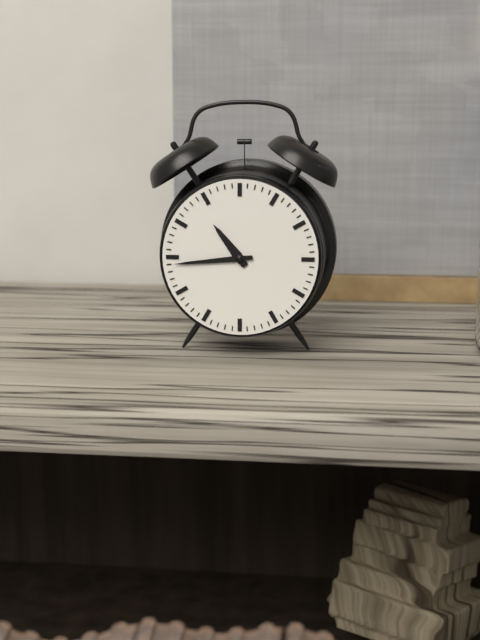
10:44
